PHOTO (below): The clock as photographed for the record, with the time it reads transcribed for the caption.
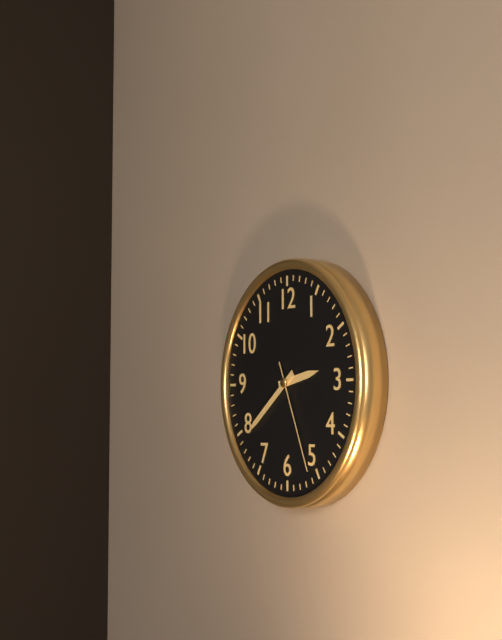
2:39:26
